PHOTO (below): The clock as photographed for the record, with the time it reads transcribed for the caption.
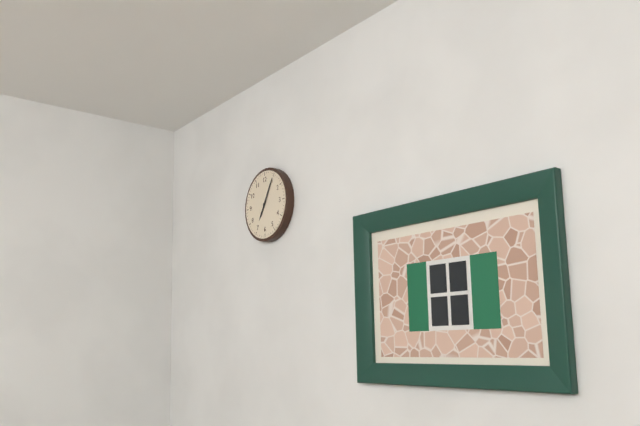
7:05
